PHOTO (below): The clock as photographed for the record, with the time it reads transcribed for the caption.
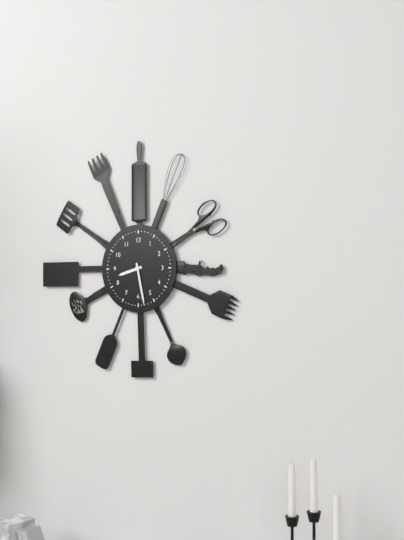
8:28
